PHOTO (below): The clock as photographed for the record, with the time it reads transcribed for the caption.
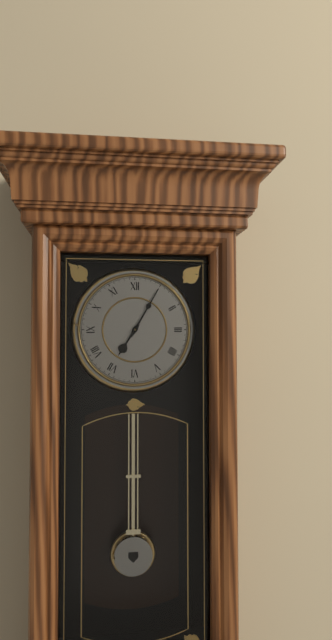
7:05
